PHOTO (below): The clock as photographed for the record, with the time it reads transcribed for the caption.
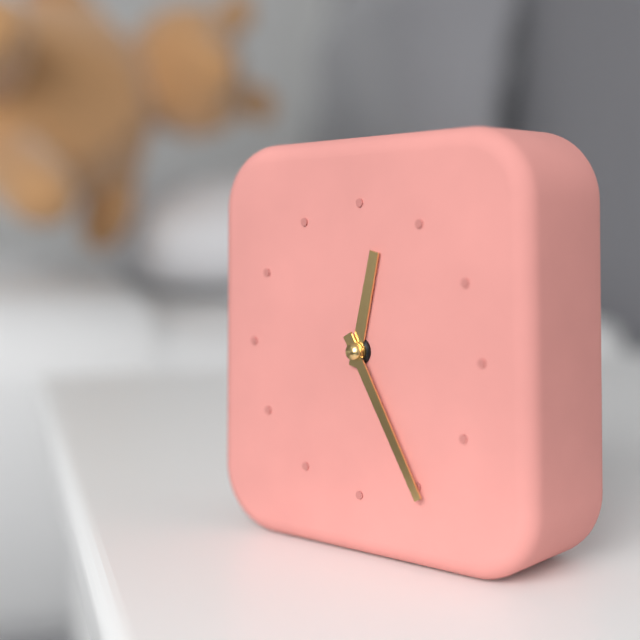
12:25
